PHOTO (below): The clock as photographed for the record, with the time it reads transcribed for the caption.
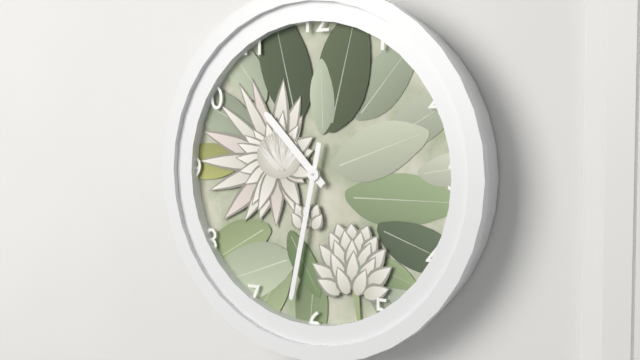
10:32
